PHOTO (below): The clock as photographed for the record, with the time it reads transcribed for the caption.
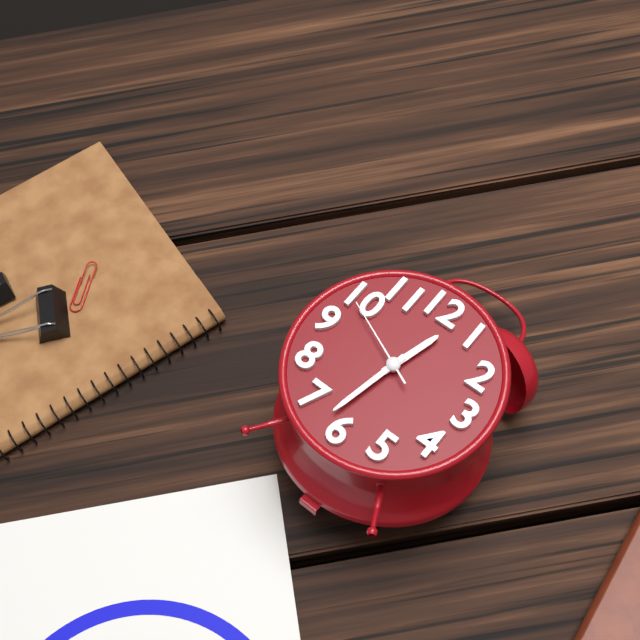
12:32:49
